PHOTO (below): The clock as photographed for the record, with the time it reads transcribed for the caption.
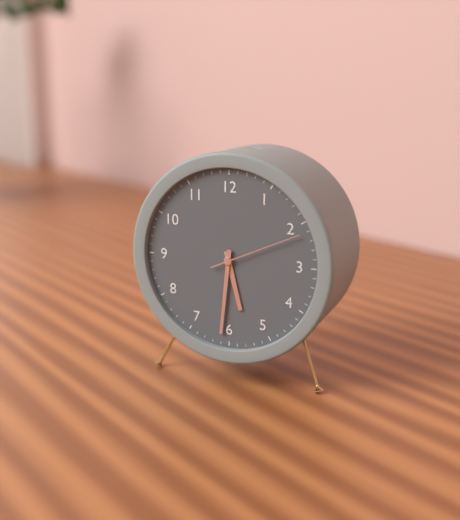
5:31:11
